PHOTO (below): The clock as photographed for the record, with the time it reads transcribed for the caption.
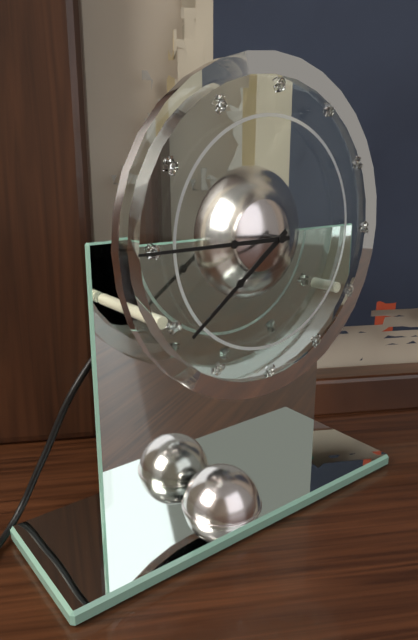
7:45
